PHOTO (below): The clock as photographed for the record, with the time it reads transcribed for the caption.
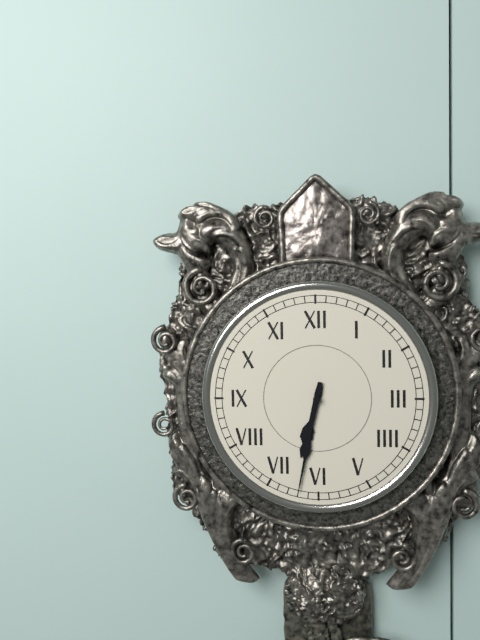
6:32
